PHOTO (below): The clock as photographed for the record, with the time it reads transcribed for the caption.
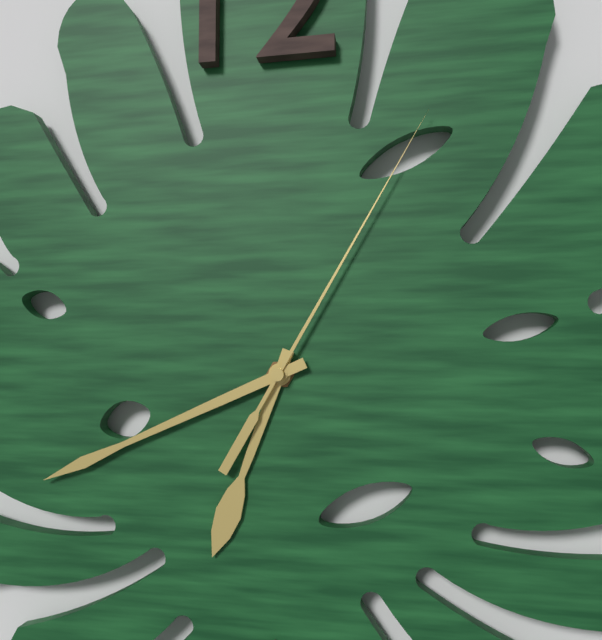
6:41:05
